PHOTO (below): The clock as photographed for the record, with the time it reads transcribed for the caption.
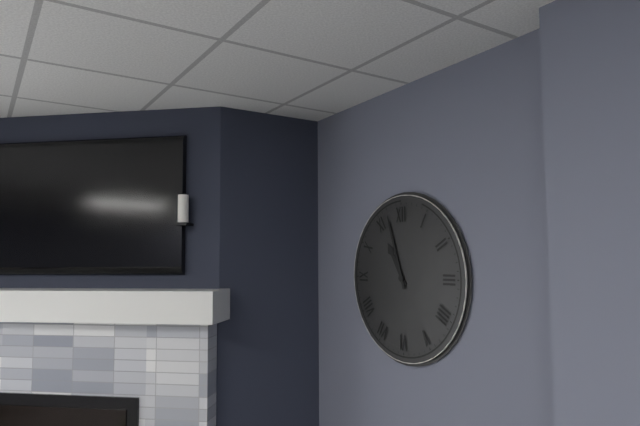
10:57
